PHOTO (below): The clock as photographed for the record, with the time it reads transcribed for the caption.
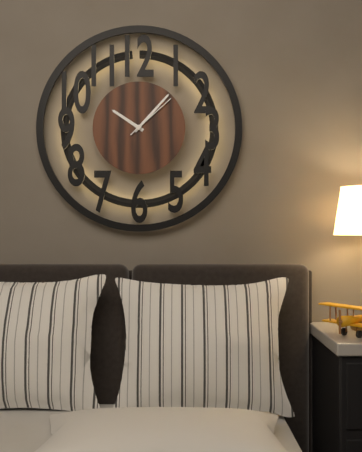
10:07:08
